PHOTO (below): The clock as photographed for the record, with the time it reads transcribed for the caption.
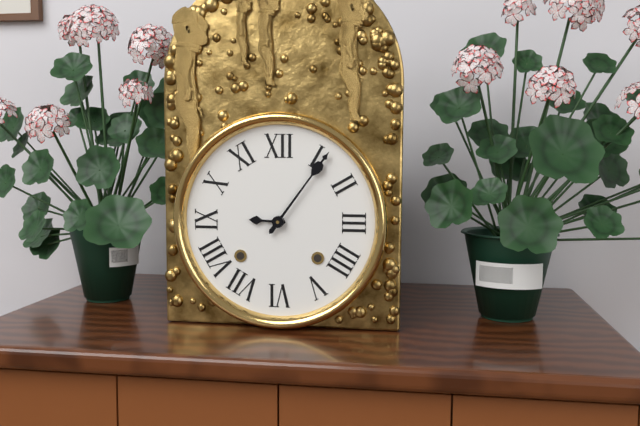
9:06
